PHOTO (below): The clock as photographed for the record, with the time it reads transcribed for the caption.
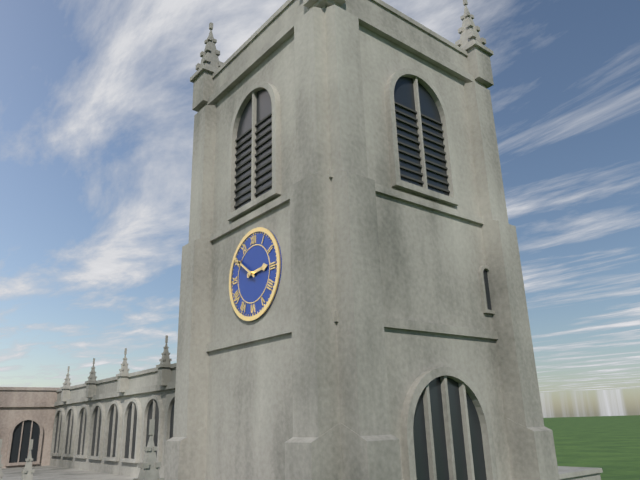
2:51
